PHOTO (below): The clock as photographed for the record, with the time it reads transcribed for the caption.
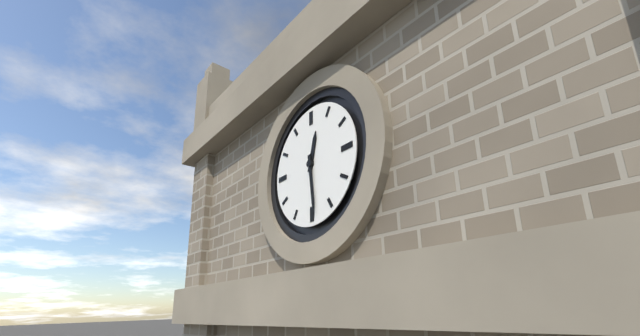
12:29
